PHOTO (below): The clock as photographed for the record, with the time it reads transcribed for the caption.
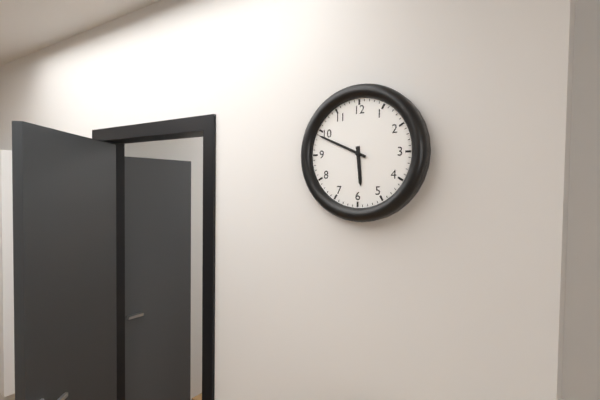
5:49
